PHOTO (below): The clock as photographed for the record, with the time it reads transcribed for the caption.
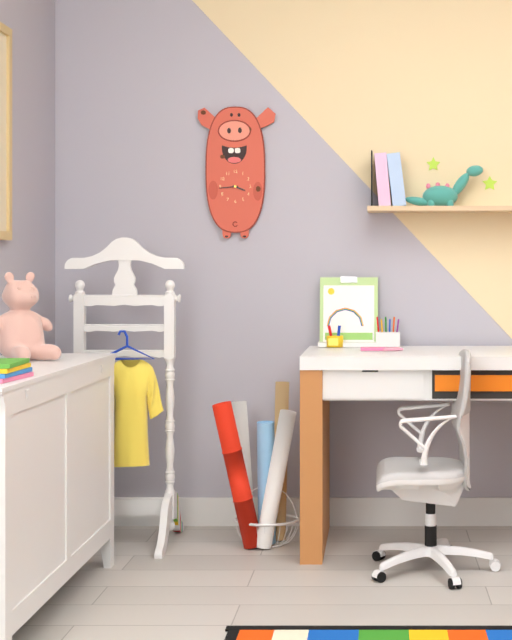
3:44
